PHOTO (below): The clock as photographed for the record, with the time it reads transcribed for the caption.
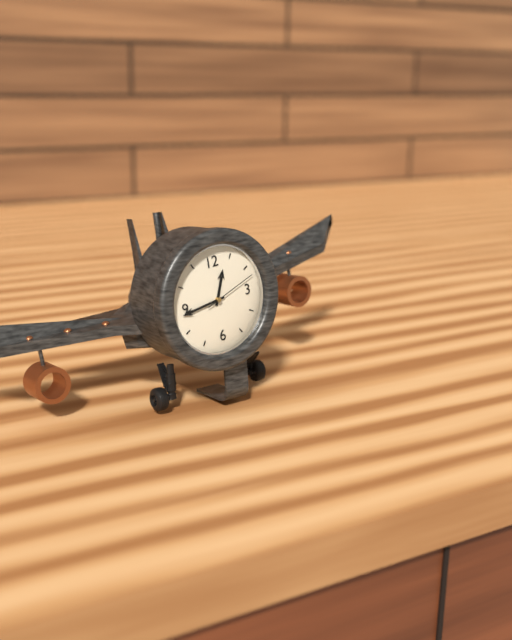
12:44:12
